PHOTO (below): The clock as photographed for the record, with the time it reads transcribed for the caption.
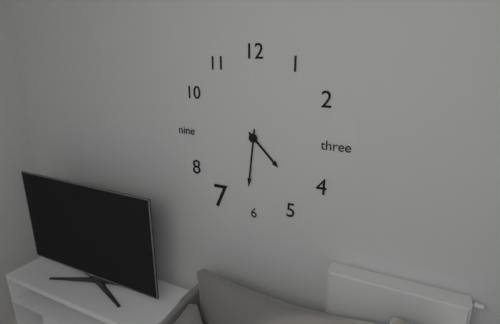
4:31
